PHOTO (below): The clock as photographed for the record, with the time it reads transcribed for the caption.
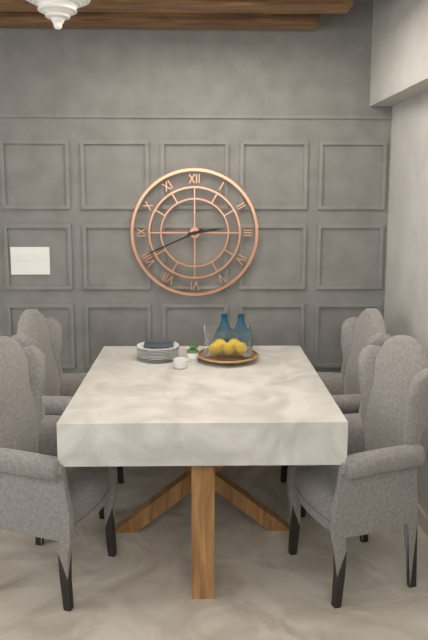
2:41
